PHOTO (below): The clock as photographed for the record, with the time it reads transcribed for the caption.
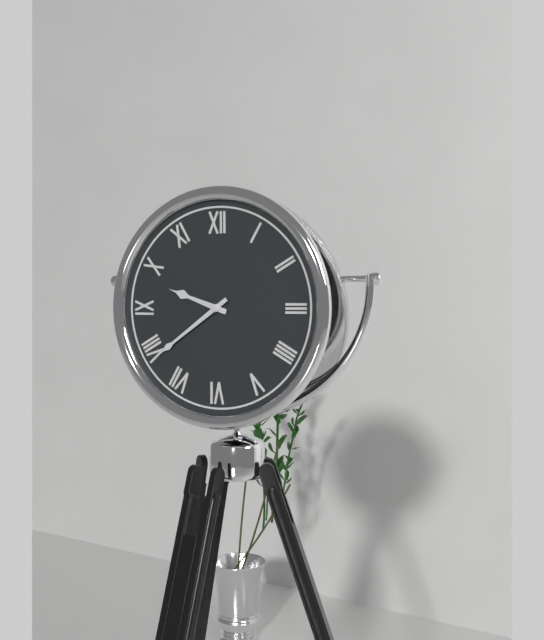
9:39
